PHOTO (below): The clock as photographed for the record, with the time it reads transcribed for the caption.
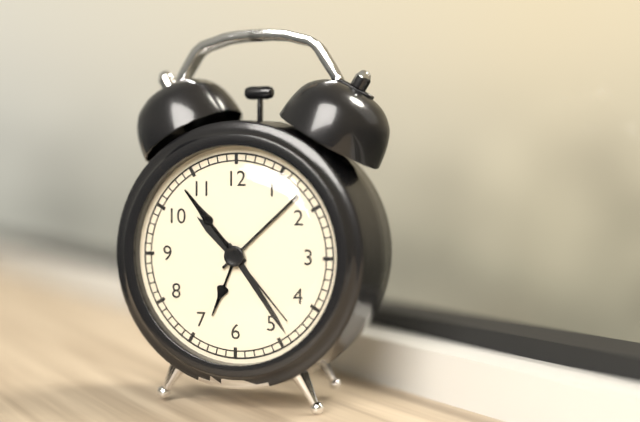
10:24:23
